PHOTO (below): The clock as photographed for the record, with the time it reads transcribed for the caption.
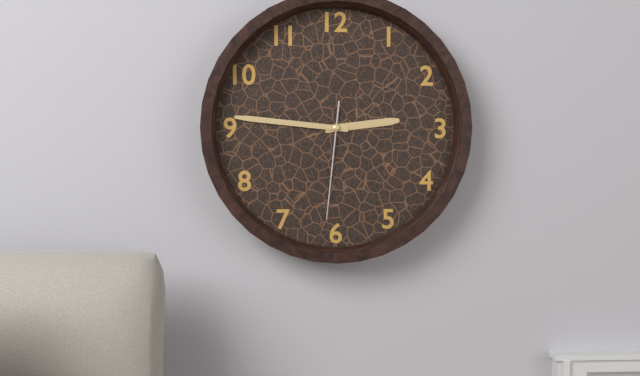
2:46:31
